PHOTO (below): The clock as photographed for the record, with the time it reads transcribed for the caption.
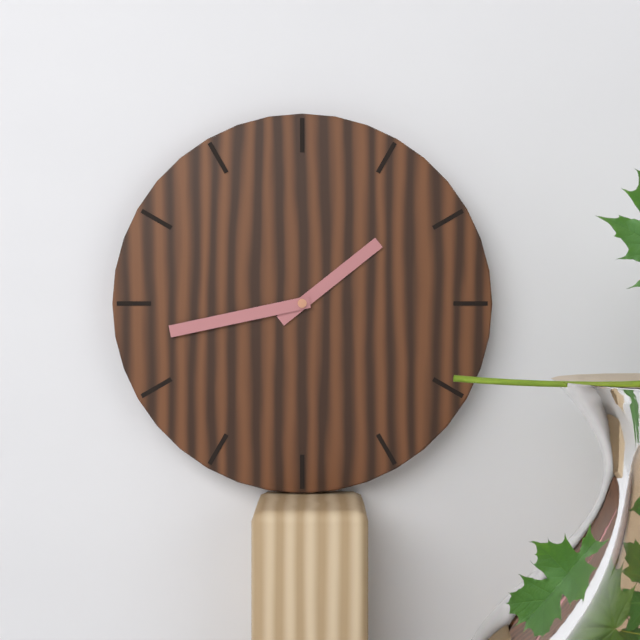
1:43
